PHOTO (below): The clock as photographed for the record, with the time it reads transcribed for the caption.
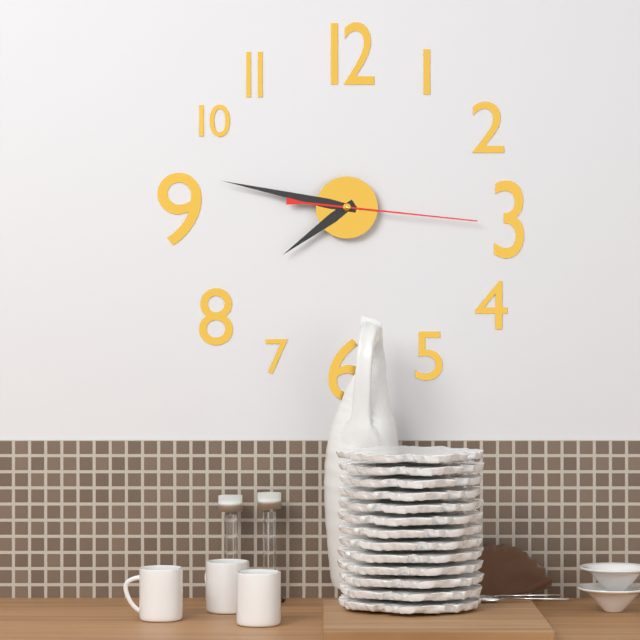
7:47:16
